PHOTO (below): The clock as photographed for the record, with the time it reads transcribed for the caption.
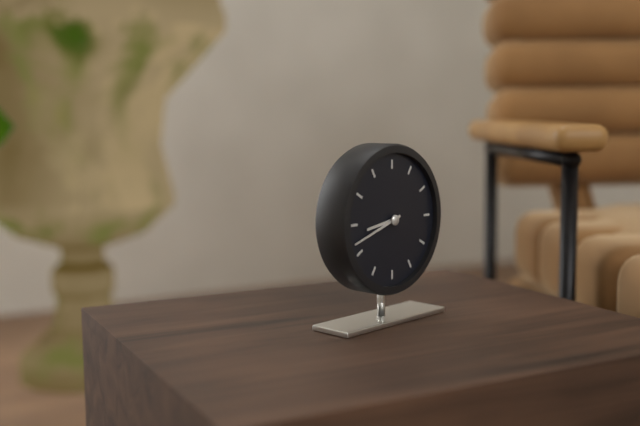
8:42
